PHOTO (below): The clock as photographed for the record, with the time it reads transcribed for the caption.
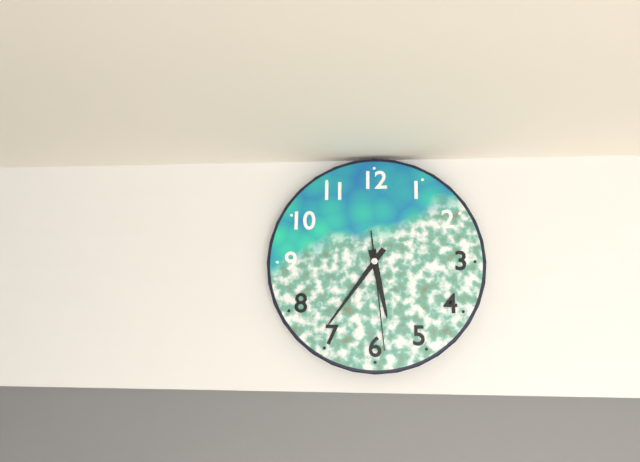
5:36:29
